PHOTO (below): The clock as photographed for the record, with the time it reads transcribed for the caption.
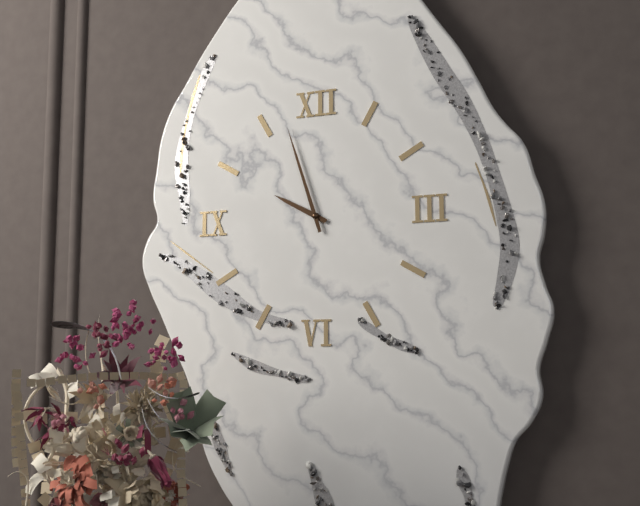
9:57
